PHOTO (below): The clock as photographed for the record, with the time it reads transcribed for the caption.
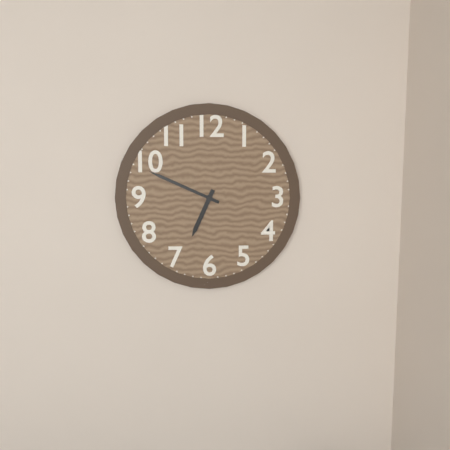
6:49
